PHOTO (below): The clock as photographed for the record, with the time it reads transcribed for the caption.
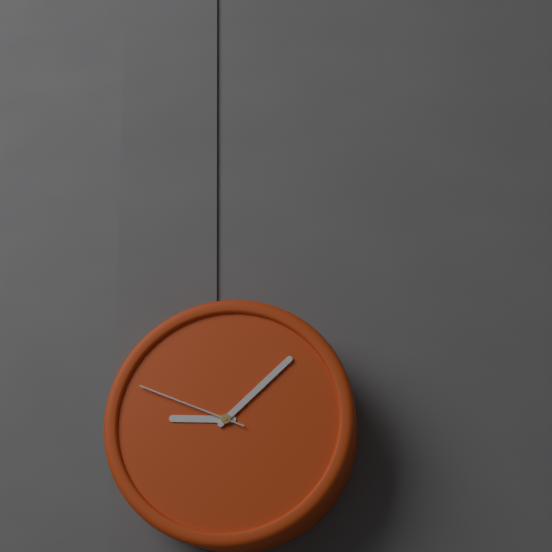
9:08:49
